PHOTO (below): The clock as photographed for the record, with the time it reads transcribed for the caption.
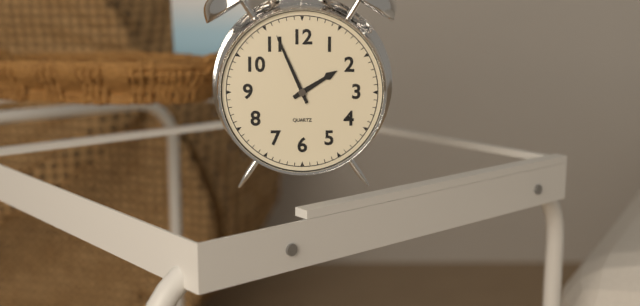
1:56
